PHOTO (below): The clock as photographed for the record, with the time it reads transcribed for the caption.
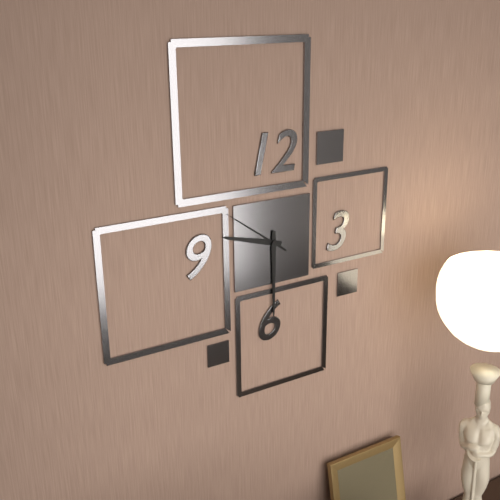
9:30:51
